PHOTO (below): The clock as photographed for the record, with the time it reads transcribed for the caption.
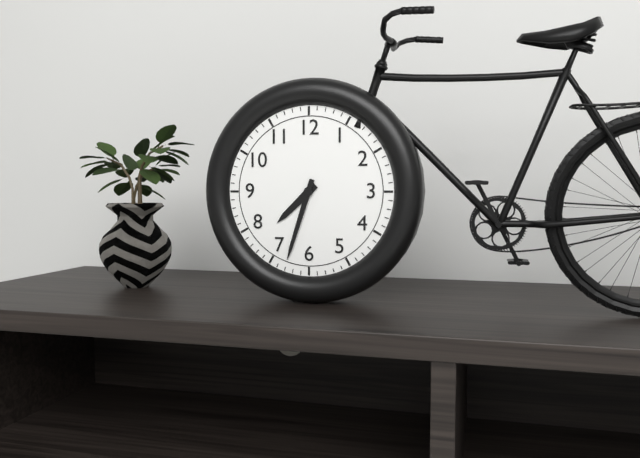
7:33
